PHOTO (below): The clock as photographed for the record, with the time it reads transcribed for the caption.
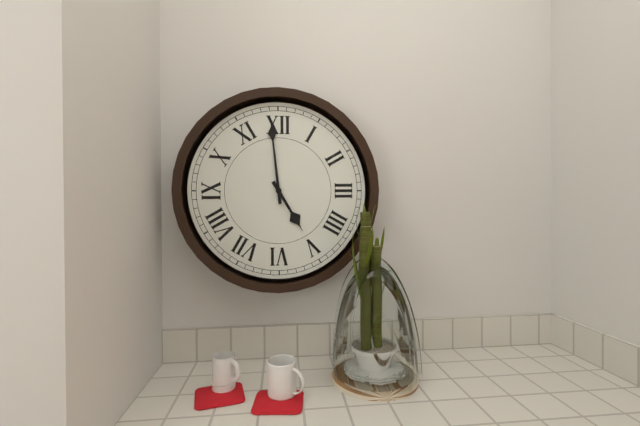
4:59
